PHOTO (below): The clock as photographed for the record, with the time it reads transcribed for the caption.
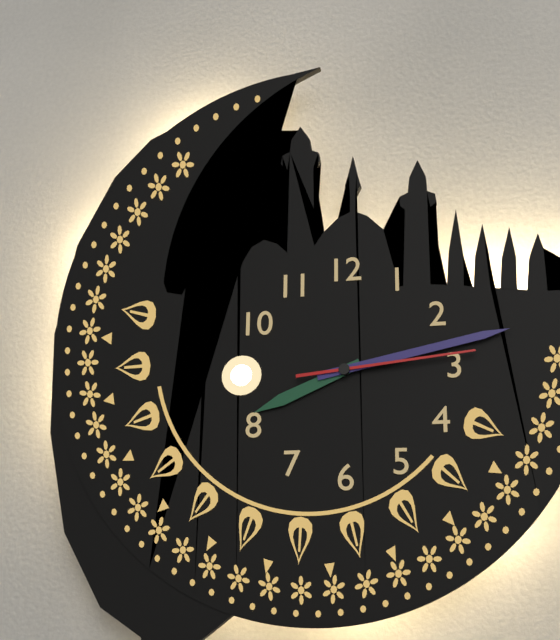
8:13:14
